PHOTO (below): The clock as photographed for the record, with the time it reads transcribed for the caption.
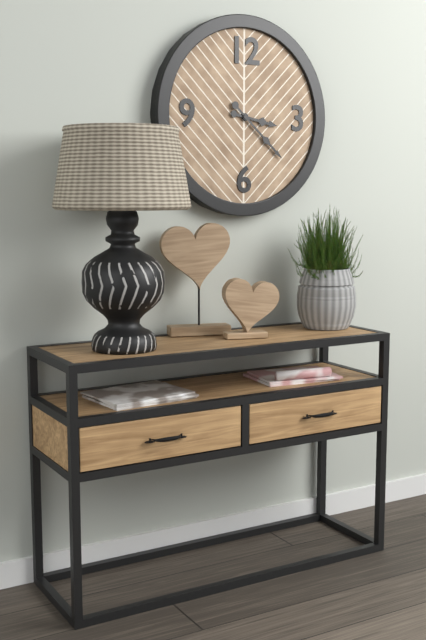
3:22
